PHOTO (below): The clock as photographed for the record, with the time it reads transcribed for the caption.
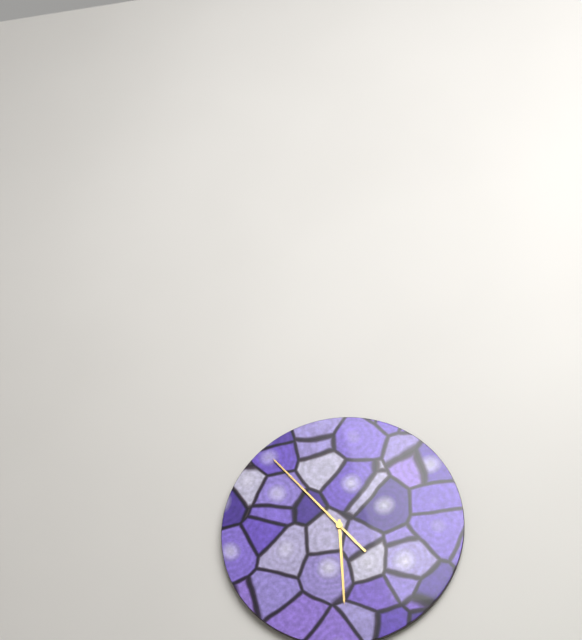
5:53
